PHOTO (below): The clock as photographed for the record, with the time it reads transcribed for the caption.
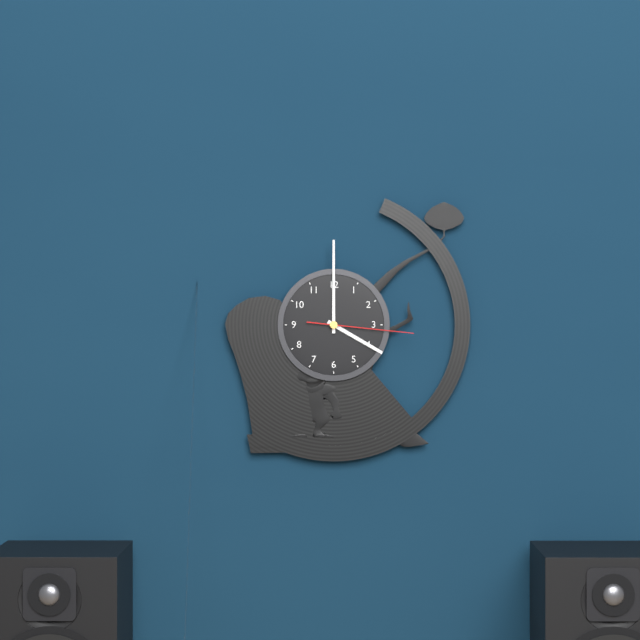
4:00:16
